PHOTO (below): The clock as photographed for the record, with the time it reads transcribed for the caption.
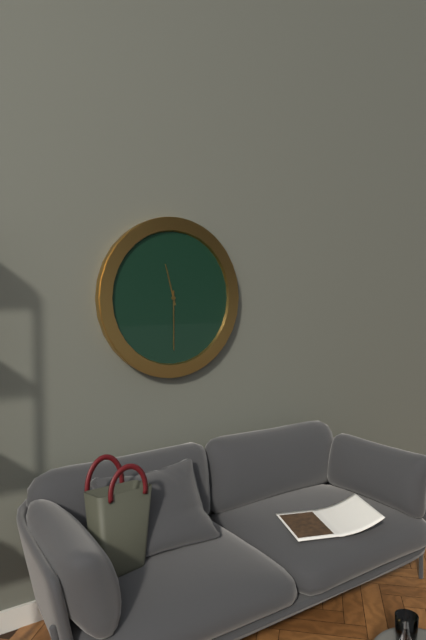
11:30
